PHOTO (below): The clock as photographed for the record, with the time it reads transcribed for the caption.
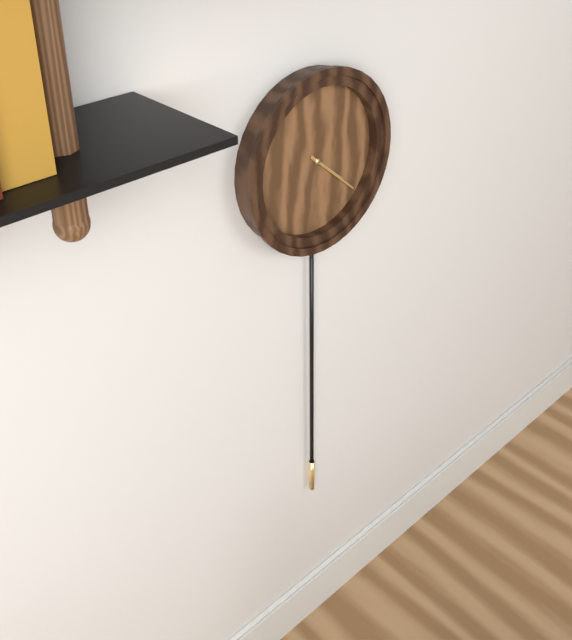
4:22
